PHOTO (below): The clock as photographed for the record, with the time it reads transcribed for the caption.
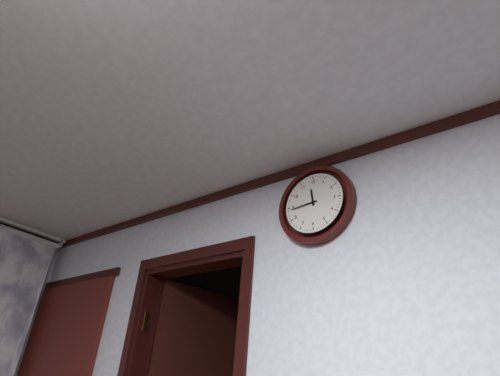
11:44
